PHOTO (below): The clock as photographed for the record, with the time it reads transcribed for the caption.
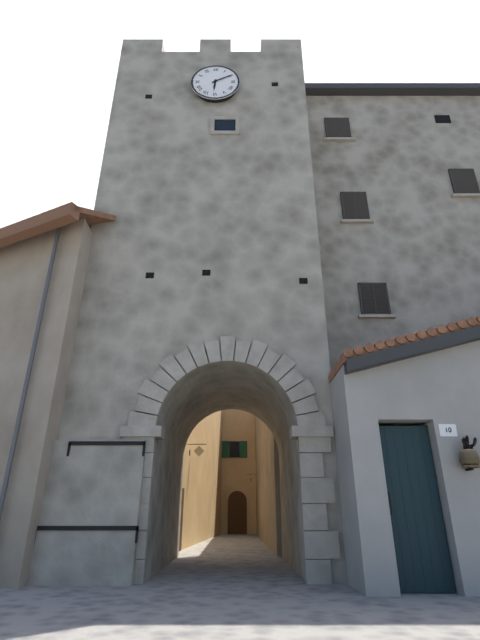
6:10
